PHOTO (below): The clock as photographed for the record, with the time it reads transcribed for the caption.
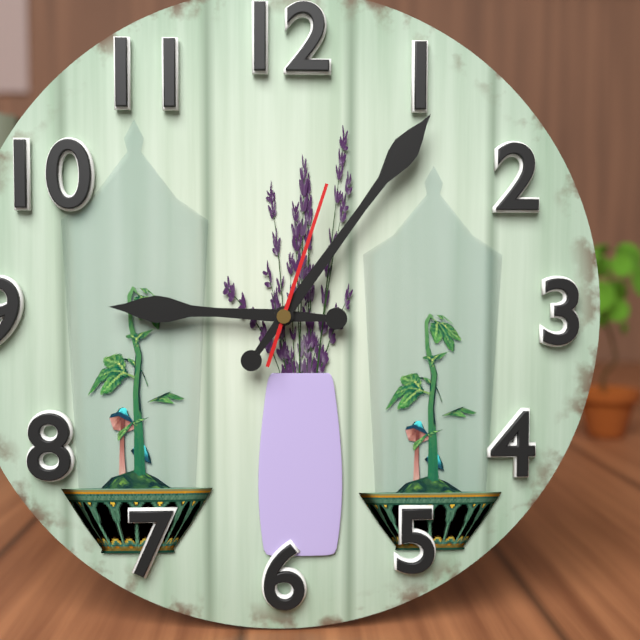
9:06:03
